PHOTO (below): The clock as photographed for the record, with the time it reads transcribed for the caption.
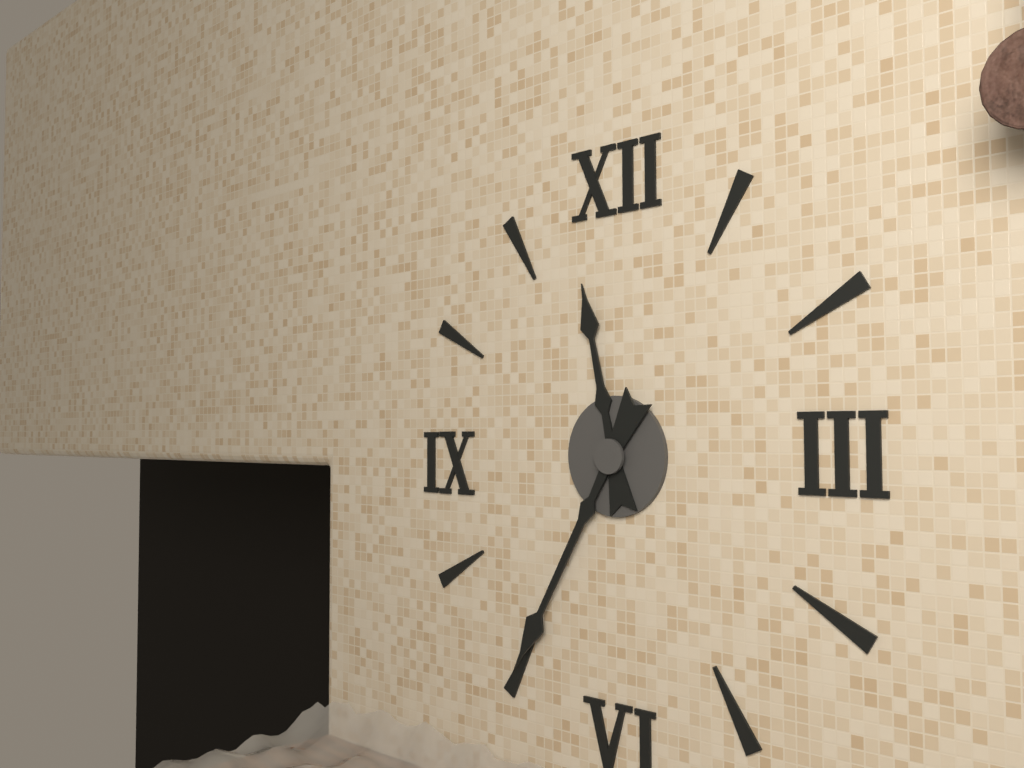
11:35
